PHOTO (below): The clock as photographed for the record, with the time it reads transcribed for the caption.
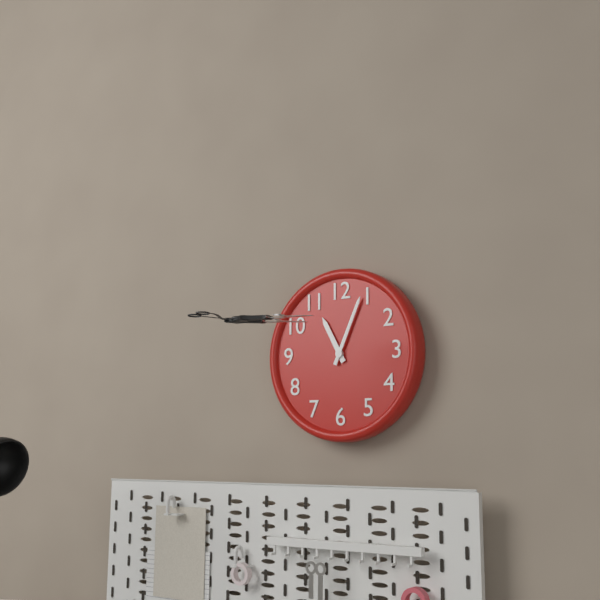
11:04
